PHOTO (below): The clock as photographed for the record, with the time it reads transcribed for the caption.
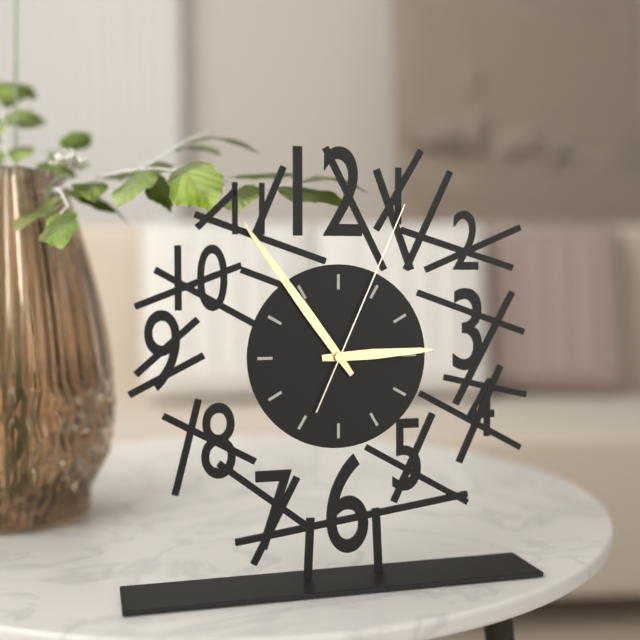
2:54:04
